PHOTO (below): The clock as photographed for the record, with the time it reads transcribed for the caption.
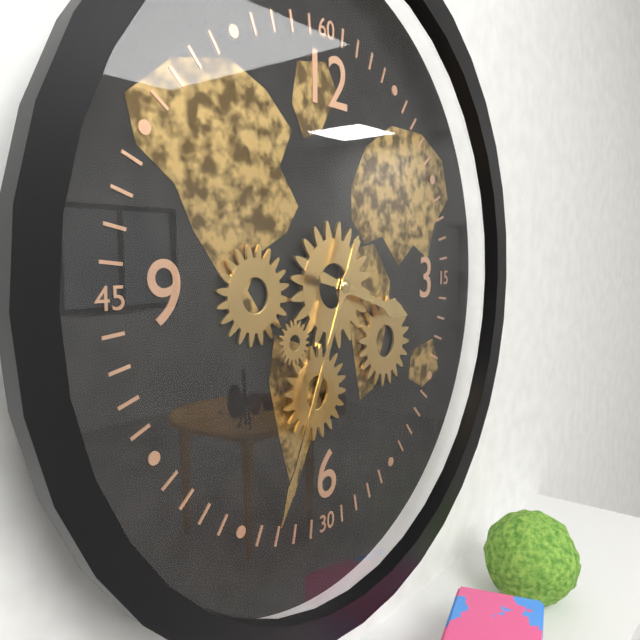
3:34
